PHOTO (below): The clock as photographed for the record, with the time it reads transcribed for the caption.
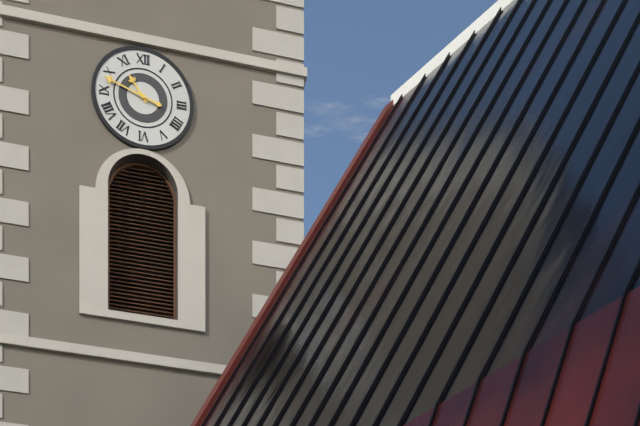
10:48
